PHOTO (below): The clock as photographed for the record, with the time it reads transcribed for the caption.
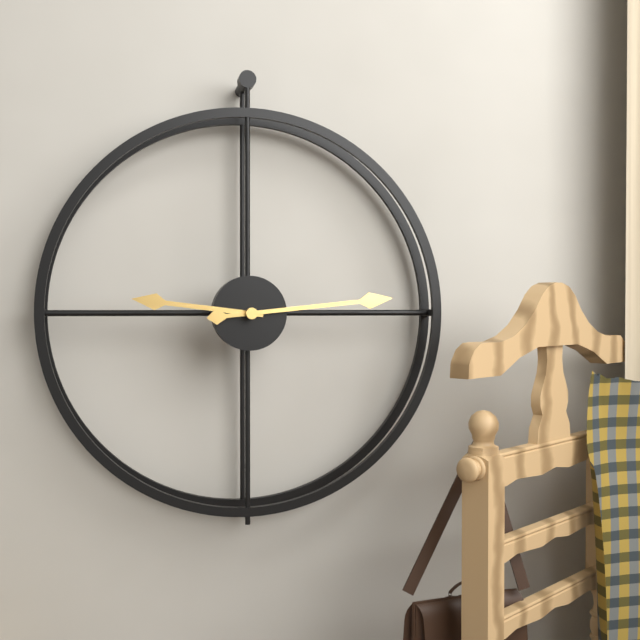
9:14
